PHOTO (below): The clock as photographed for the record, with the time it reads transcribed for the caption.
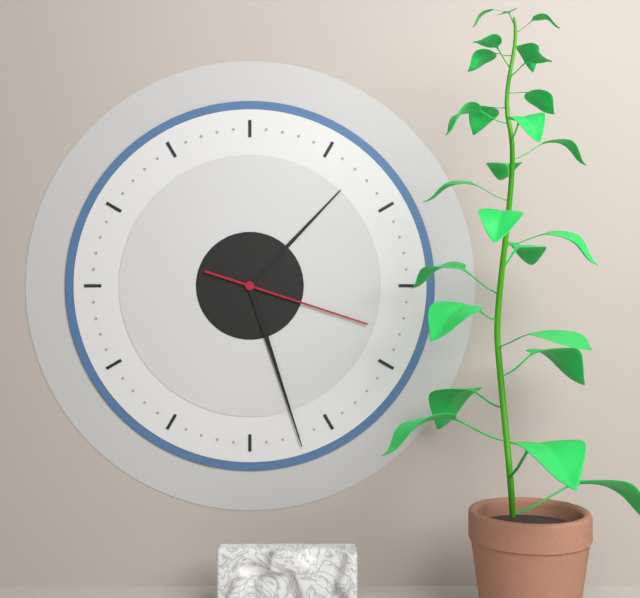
1:27:18
